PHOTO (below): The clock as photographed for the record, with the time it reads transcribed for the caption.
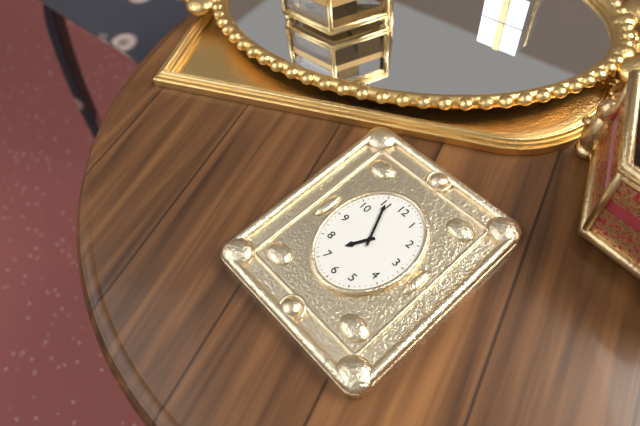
6:56
